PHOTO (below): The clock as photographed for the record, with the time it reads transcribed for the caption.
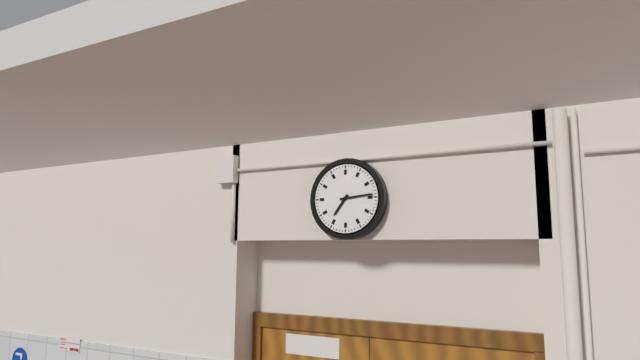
7:14
